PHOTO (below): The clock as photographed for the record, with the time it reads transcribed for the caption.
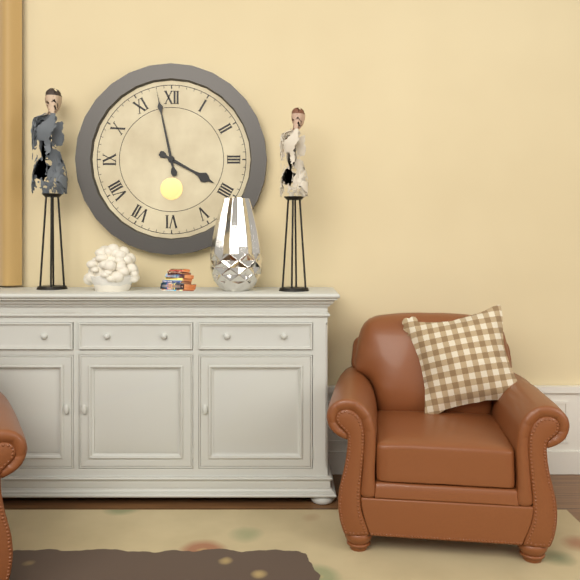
3:58
